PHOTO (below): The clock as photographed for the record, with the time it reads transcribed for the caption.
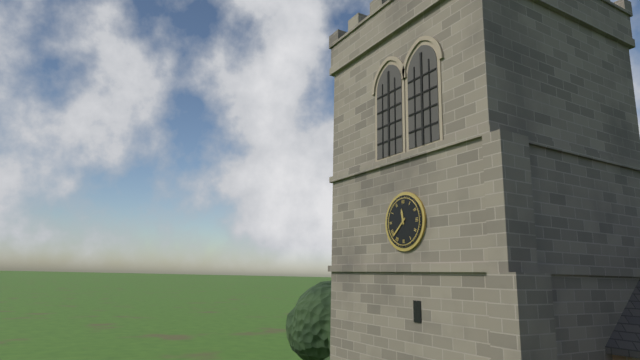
11:38
